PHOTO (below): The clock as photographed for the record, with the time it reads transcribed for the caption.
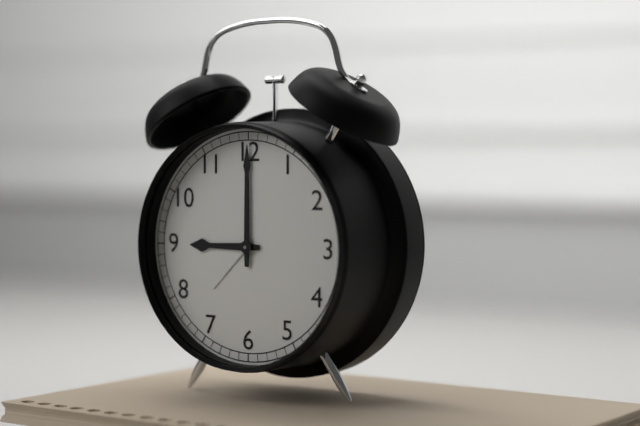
9:00
